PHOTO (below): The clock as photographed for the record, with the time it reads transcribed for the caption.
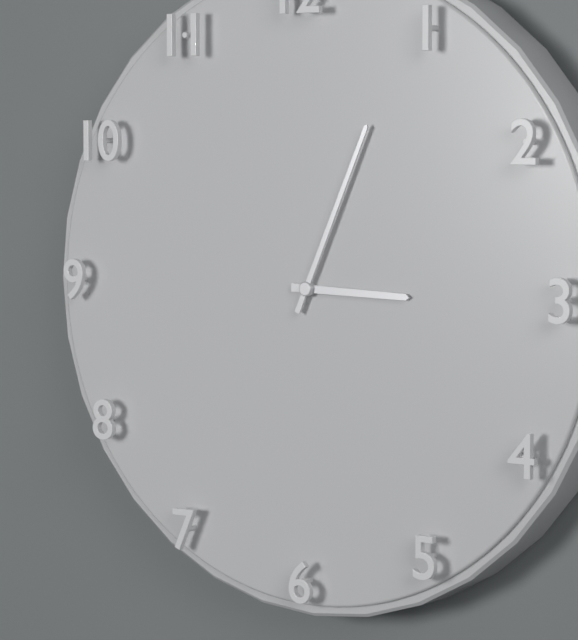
3:04
